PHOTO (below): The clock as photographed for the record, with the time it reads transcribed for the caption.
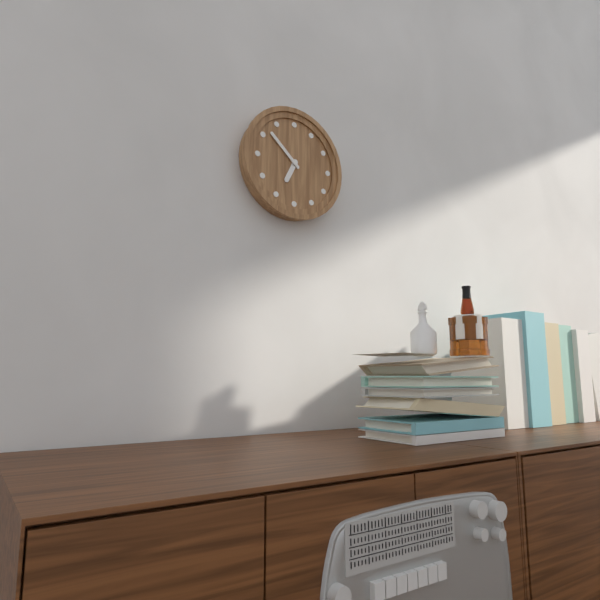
6:52
